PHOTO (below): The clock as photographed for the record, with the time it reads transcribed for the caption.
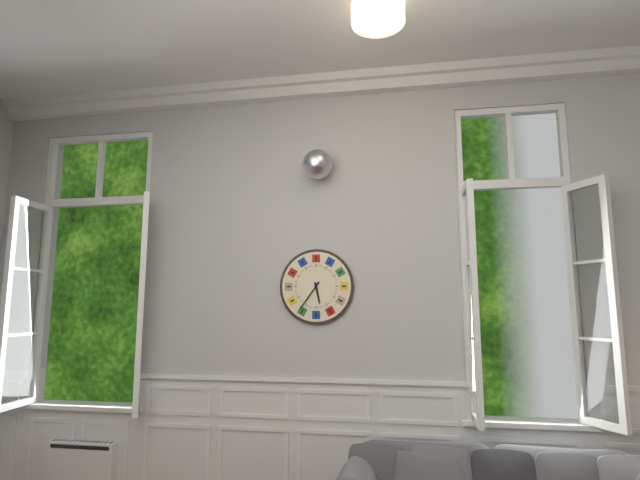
5:36
